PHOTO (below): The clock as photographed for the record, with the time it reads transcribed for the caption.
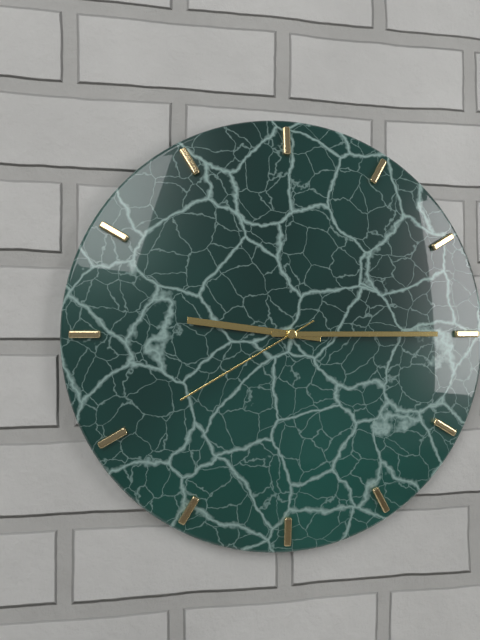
9:15:40
